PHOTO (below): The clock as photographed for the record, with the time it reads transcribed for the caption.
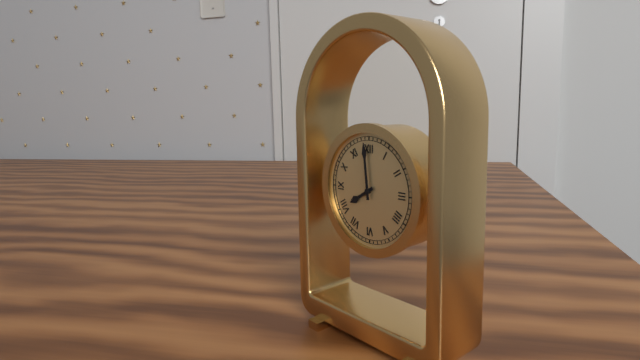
7:59
